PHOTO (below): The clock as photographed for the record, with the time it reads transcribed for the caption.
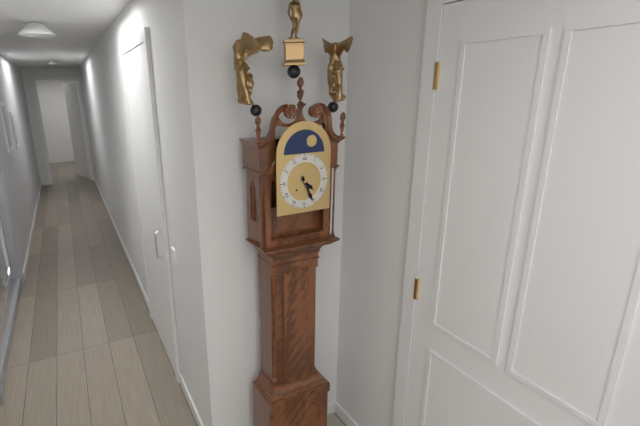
4:26
